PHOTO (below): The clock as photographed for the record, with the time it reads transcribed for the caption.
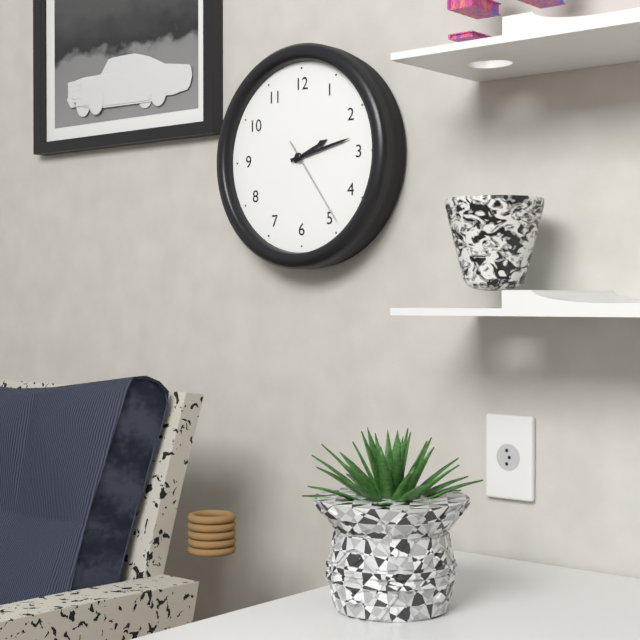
2:13:24
